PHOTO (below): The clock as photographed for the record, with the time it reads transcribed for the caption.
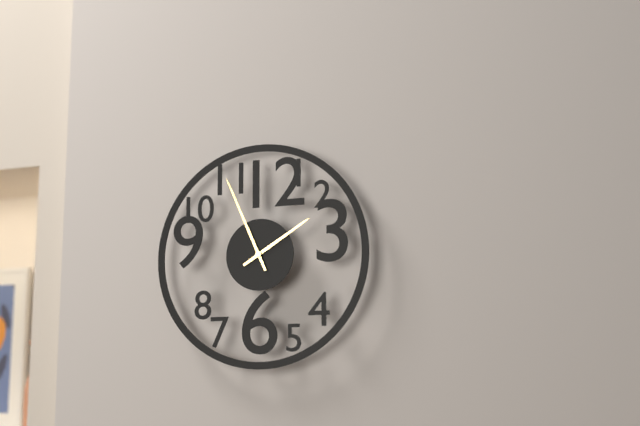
1:56
